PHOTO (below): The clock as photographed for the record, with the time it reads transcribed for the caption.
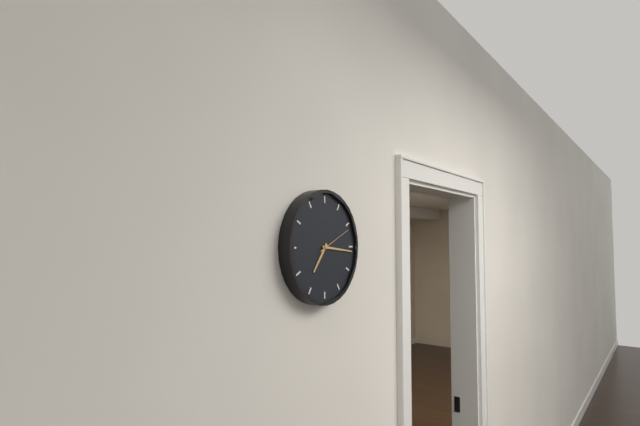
7:16
